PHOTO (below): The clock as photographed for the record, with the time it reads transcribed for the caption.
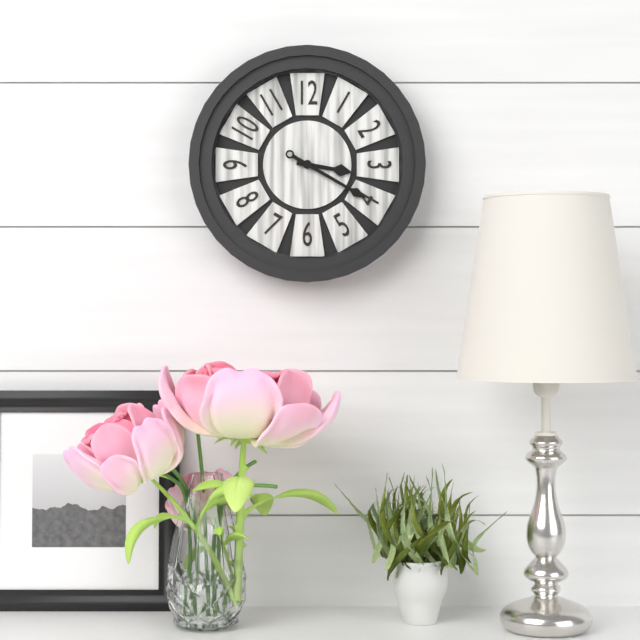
3:20
